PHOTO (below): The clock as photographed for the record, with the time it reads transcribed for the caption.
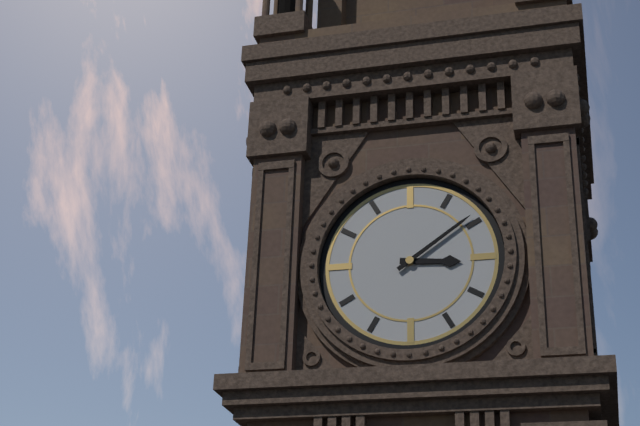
3:09
